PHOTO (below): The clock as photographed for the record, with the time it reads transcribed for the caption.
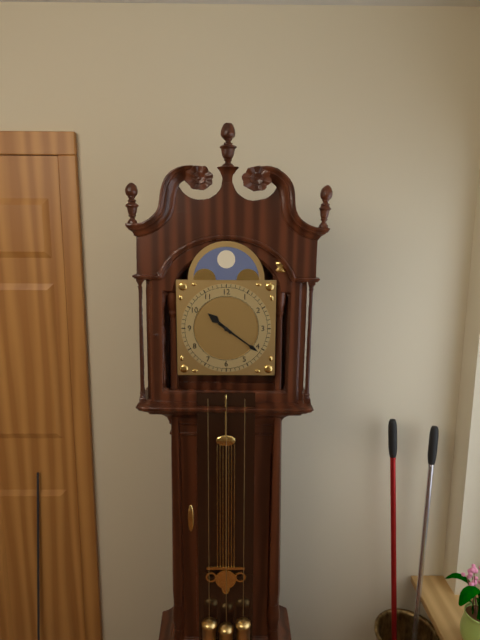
10:21
